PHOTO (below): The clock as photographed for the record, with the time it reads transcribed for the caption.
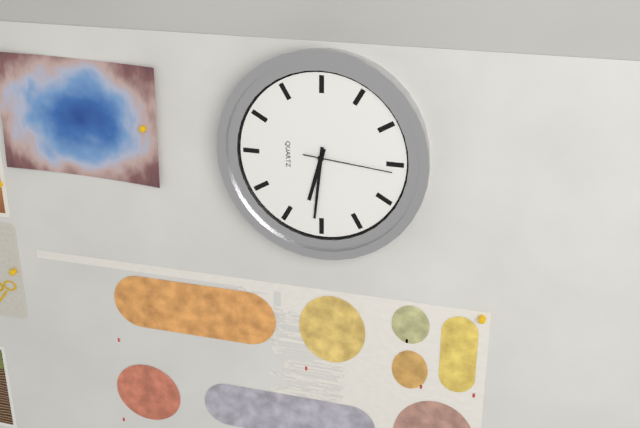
6:31:16
